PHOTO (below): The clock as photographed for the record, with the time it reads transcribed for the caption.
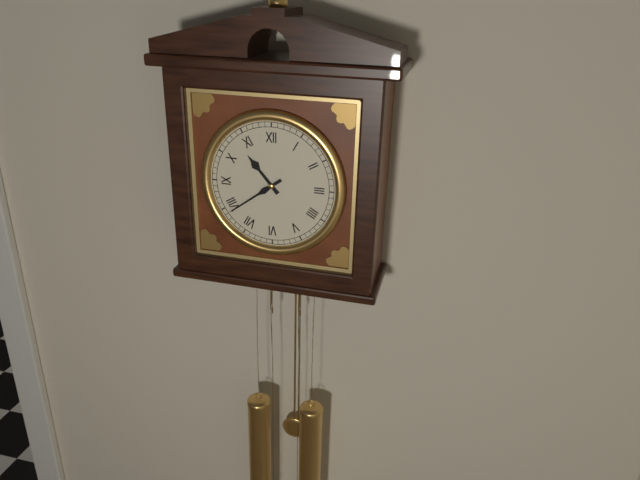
10:39
